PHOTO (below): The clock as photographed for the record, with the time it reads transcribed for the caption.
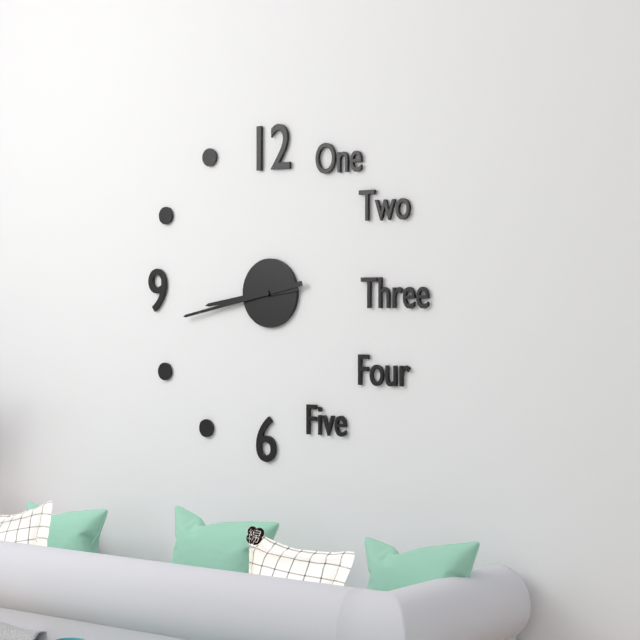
8:43
